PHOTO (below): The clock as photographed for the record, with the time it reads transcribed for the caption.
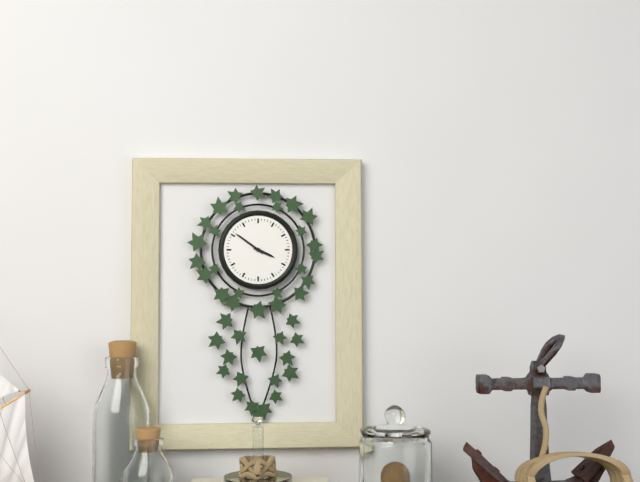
3:51
